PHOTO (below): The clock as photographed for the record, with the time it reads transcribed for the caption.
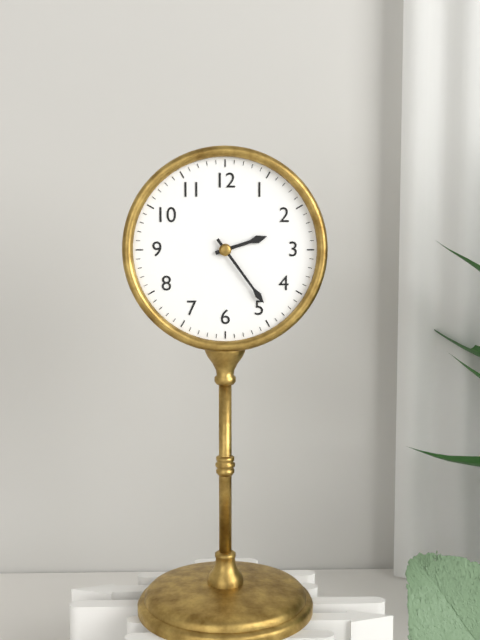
2:24
